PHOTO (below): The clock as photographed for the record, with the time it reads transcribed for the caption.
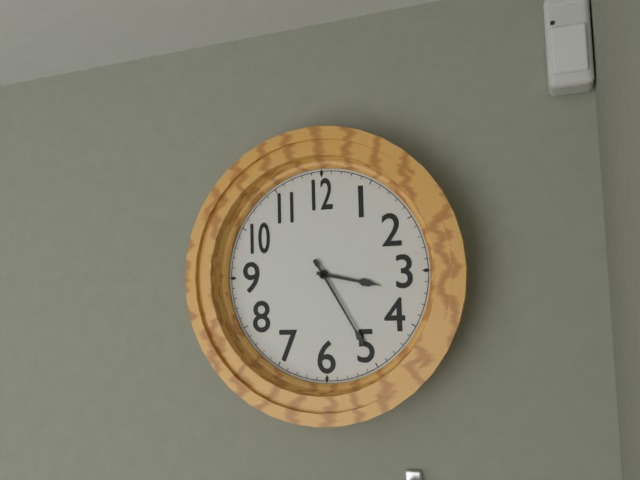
3:25
